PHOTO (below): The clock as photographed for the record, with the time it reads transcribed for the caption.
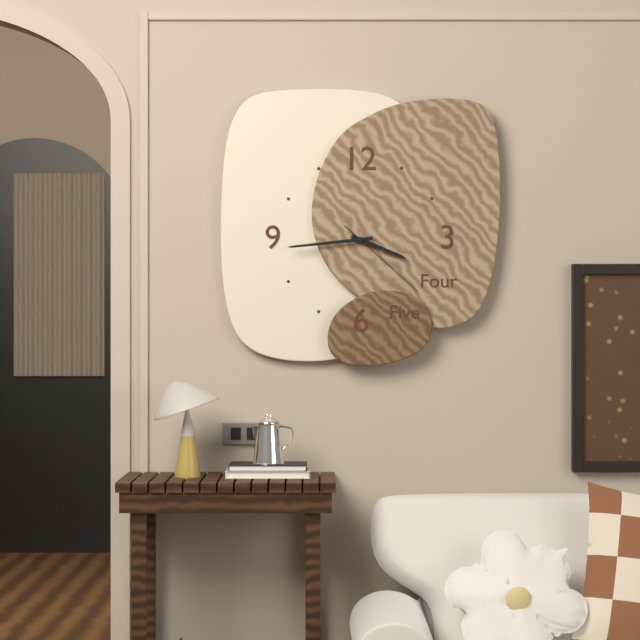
3:44:22
